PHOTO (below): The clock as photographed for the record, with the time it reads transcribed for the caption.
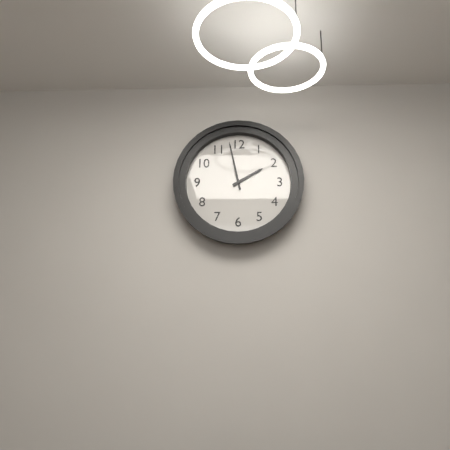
1:58
